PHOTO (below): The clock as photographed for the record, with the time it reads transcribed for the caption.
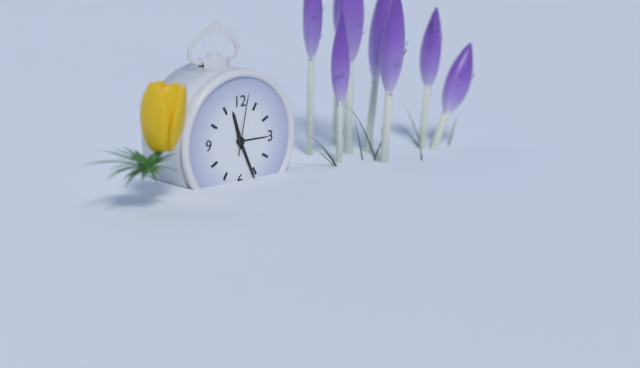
11:26:02
